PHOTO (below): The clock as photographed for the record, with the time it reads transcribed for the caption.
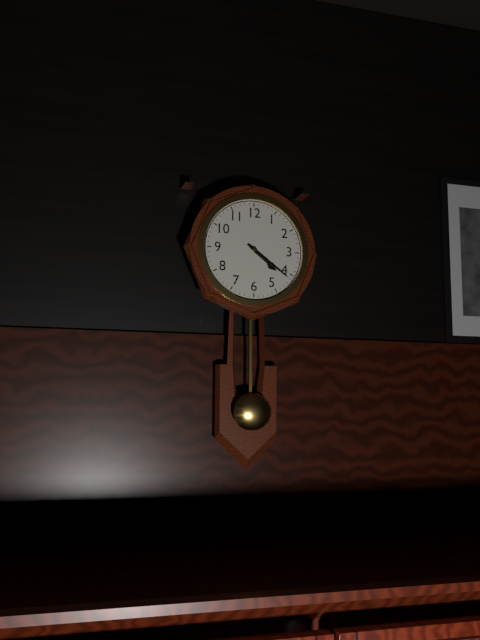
4:21
